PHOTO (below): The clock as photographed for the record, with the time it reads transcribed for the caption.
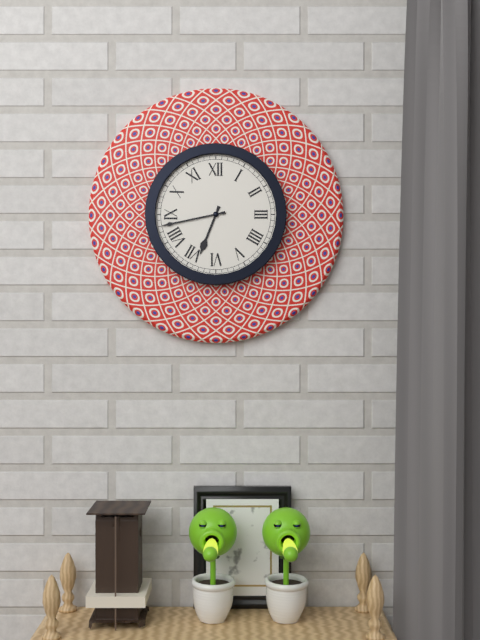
6:43
